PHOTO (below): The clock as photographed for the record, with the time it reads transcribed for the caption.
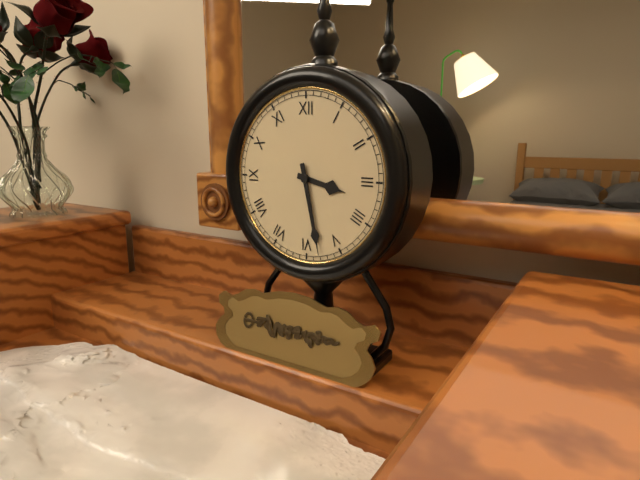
3:28
